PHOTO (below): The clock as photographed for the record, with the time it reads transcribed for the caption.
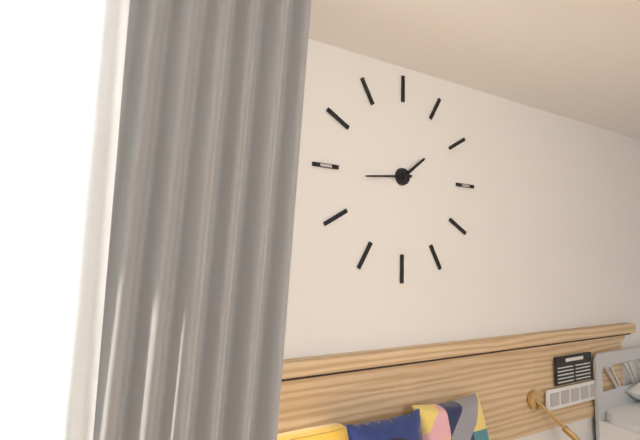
1:44
